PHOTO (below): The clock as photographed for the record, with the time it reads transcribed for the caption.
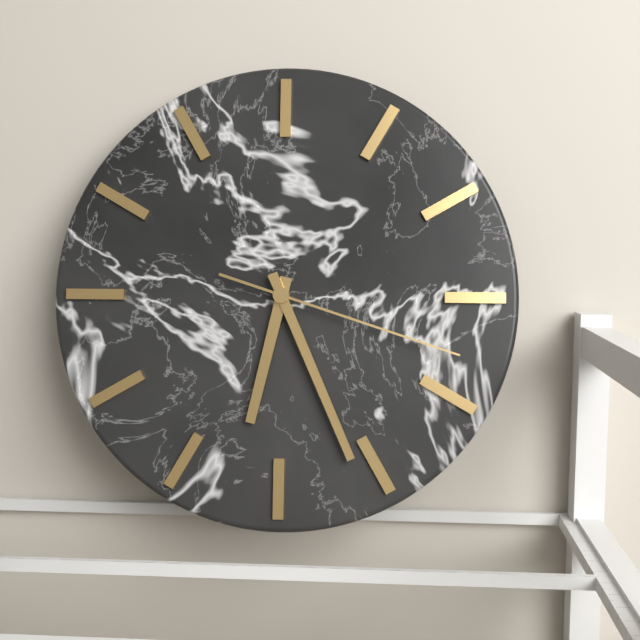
6:26:18
